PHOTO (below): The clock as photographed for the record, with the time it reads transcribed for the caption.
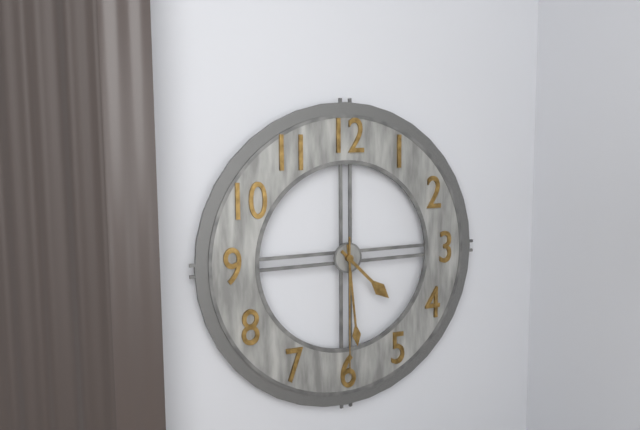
4:29:30
